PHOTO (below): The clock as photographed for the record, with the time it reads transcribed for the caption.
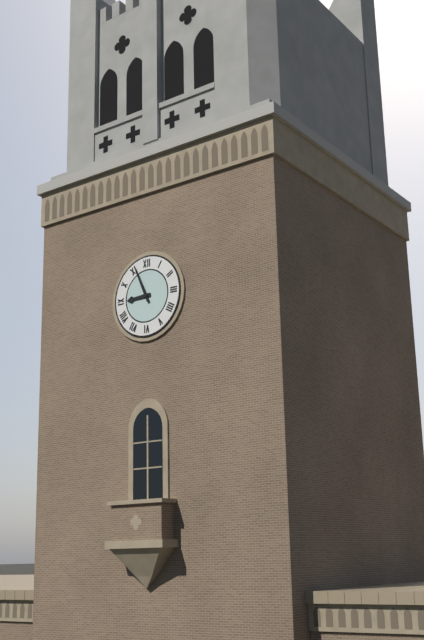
8:56
